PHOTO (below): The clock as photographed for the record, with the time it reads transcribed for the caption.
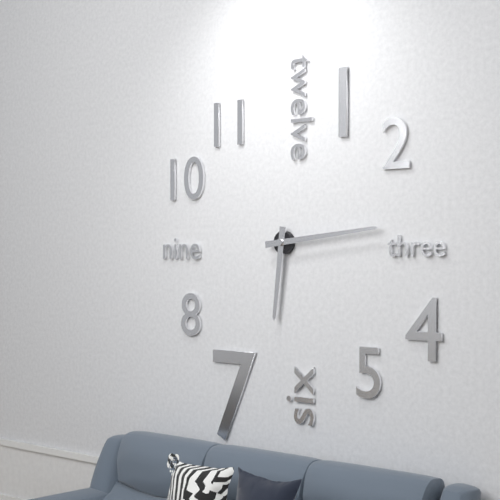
6:14
